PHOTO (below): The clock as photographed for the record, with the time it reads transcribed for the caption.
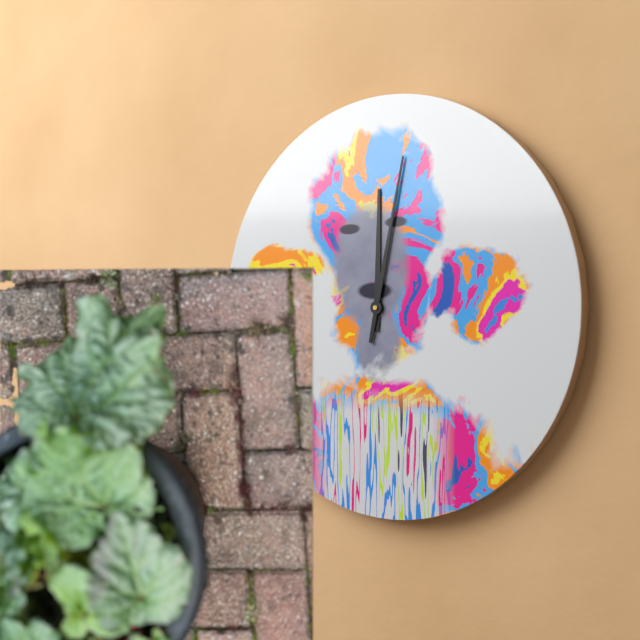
12:02
